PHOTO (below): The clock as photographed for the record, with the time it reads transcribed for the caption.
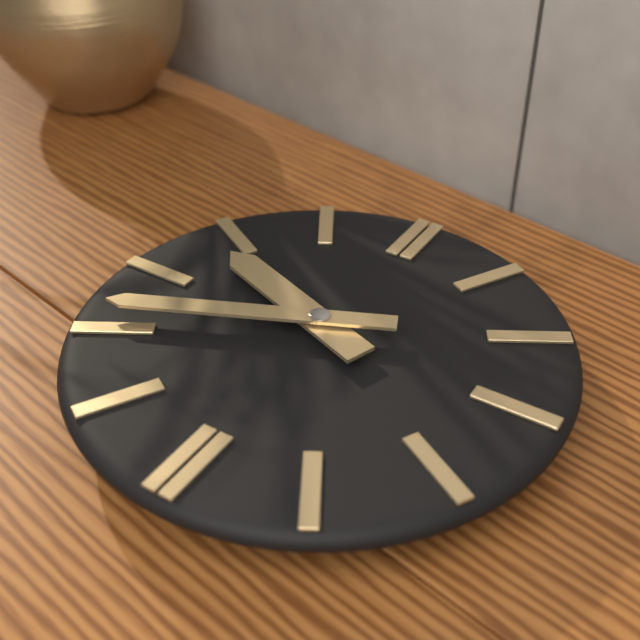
9:41
